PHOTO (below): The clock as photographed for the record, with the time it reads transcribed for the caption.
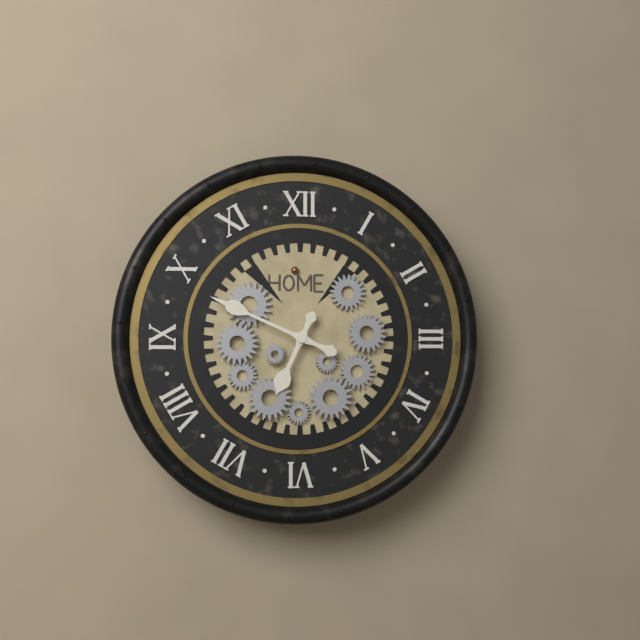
6:49
